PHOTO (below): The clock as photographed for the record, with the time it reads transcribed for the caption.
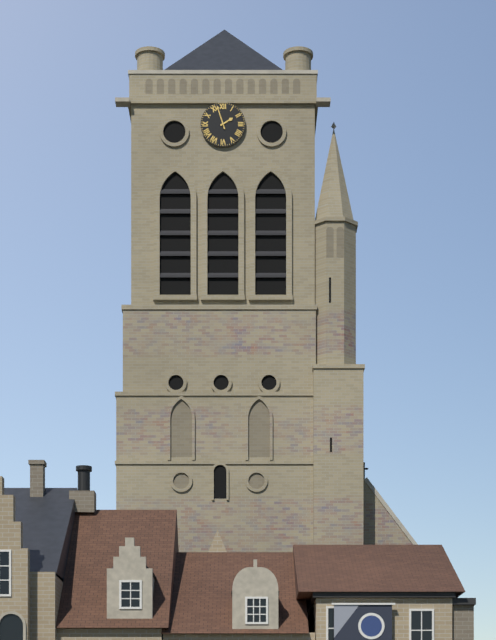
1:57
